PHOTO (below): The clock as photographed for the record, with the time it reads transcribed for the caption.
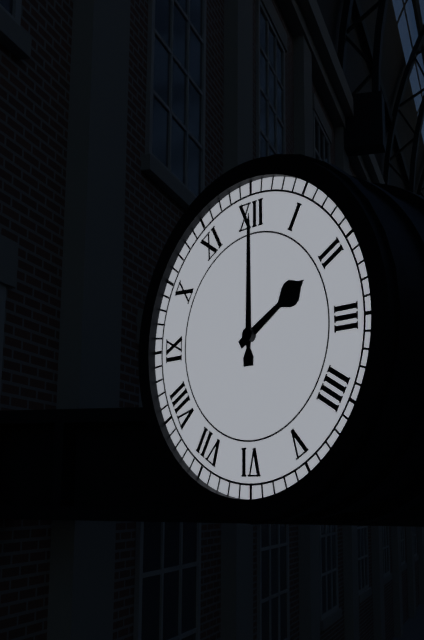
2:00
